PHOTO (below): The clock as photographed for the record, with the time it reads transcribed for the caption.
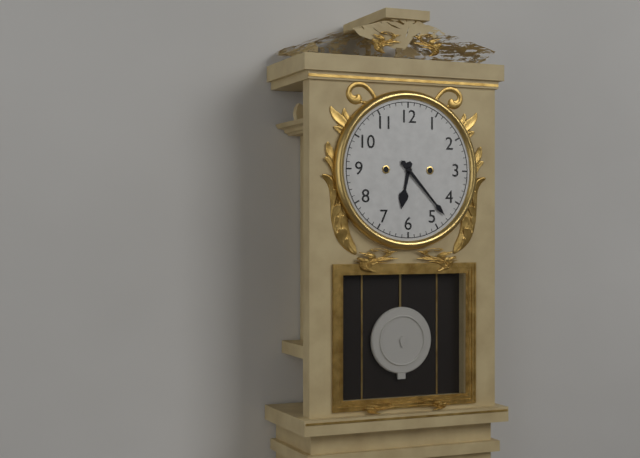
6:23
